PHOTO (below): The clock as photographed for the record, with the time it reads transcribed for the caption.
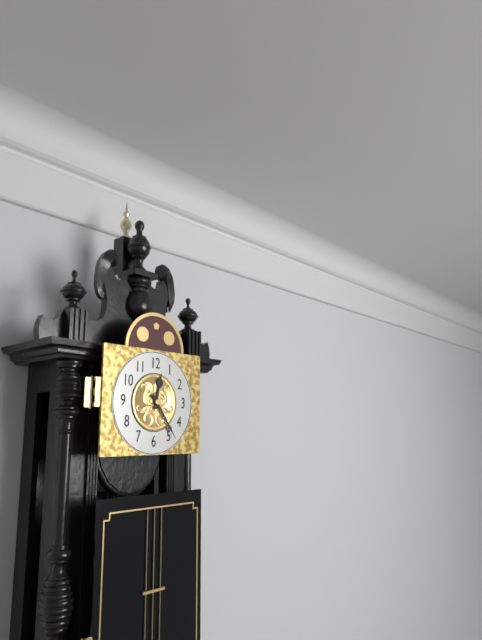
12:24
